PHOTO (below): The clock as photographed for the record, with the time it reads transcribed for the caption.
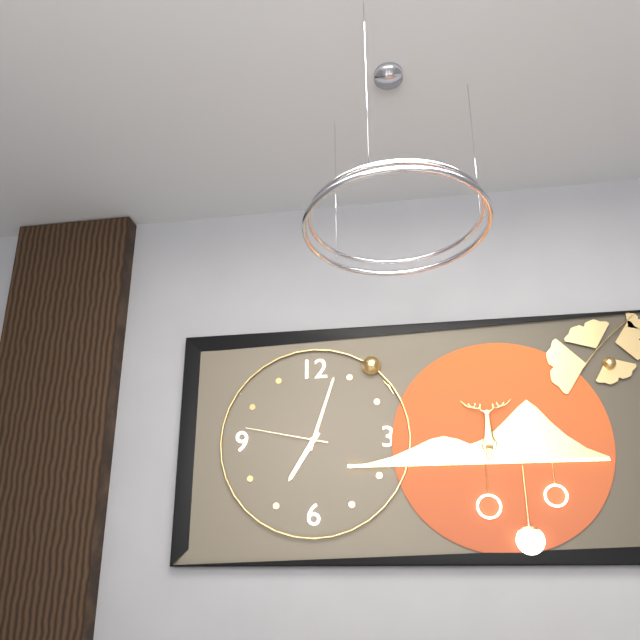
7:03:47
